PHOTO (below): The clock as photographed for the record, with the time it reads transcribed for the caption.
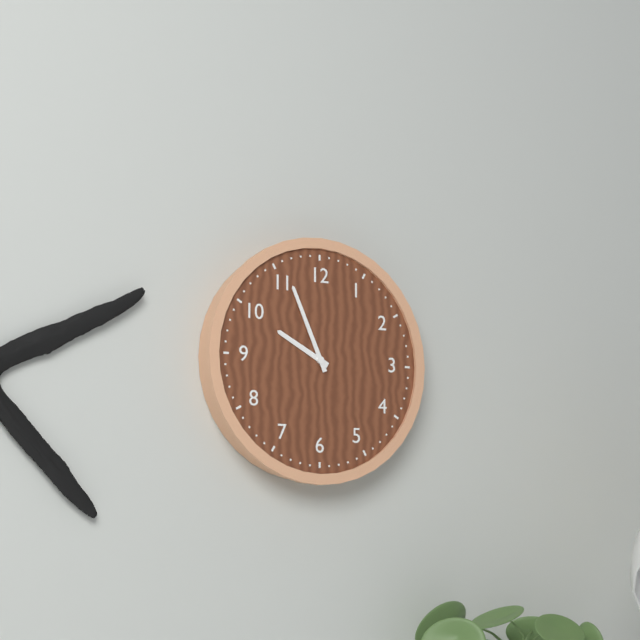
9:56
